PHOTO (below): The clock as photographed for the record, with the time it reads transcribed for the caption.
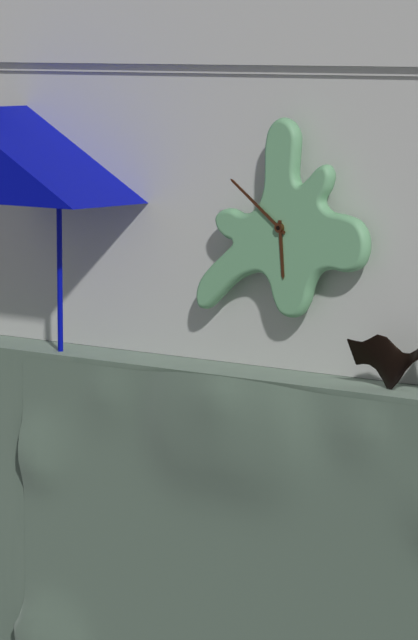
5:51
